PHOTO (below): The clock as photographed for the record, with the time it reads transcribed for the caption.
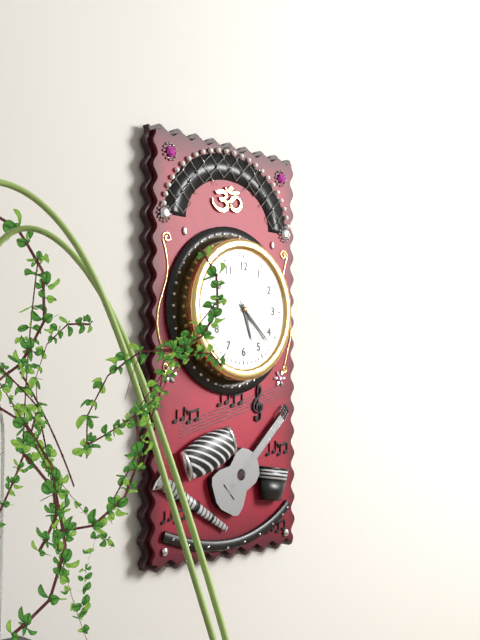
5:22
